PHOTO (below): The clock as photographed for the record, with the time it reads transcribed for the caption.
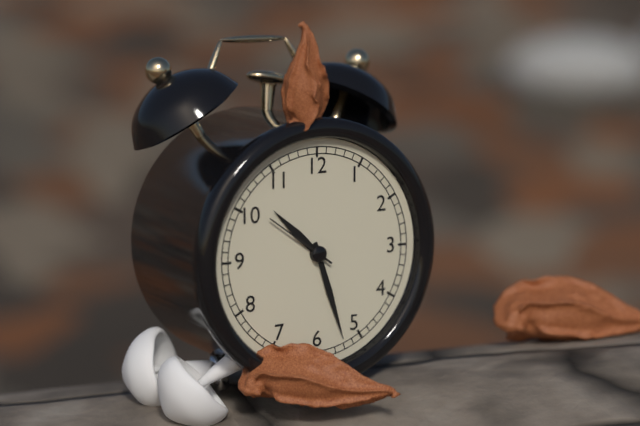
10:27:51
